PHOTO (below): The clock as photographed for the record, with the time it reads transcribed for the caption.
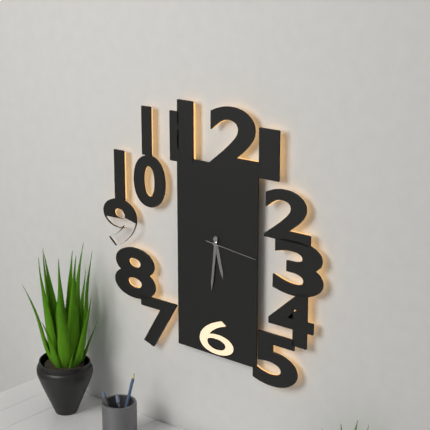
5:31:16
